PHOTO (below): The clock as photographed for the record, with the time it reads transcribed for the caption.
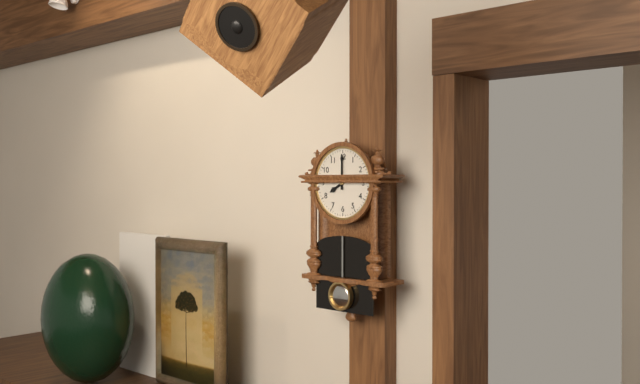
8:00
